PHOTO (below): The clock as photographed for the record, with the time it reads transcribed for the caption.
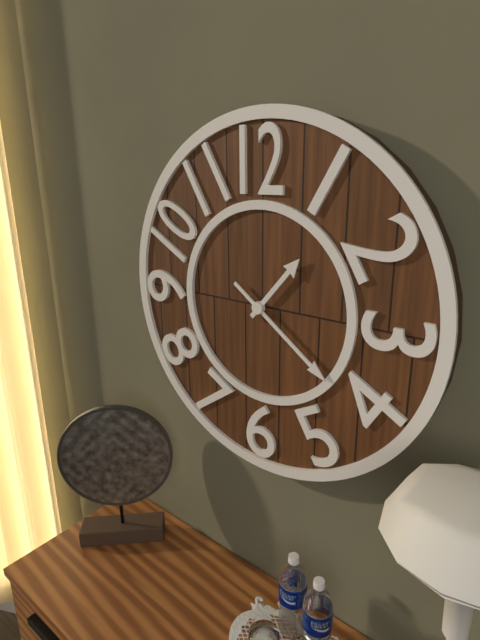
1:21
